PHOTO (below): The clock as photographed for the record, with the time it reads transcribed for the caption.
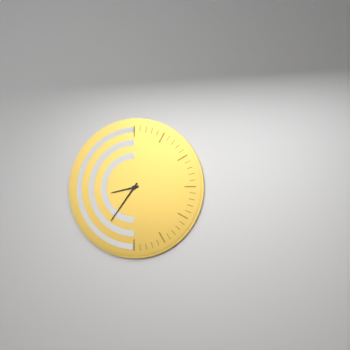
8:36
